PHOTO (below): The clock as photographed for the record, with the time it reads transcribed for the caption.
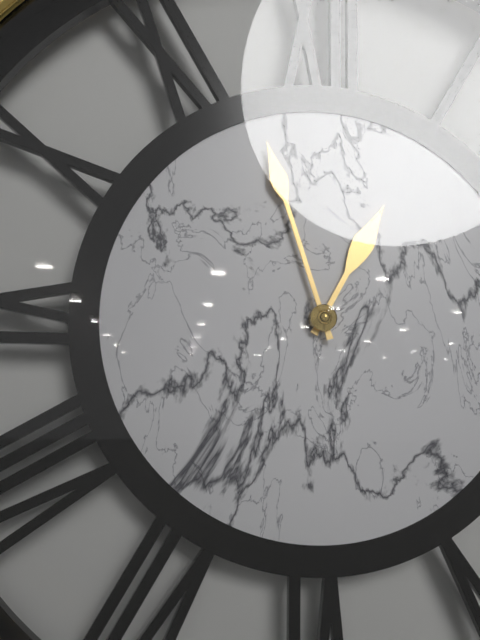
12:57
